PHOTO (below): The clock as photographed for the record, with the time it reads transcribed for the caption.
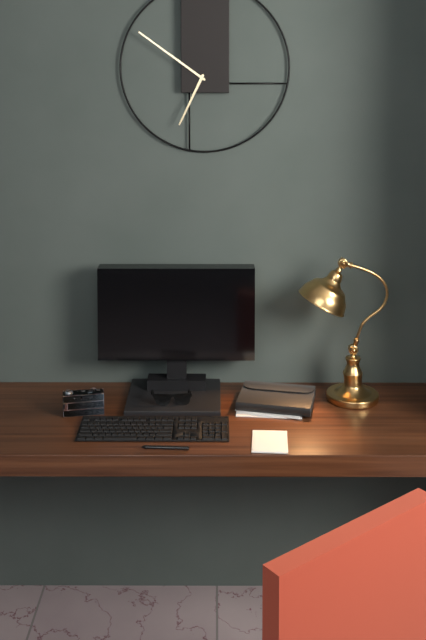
6:51
